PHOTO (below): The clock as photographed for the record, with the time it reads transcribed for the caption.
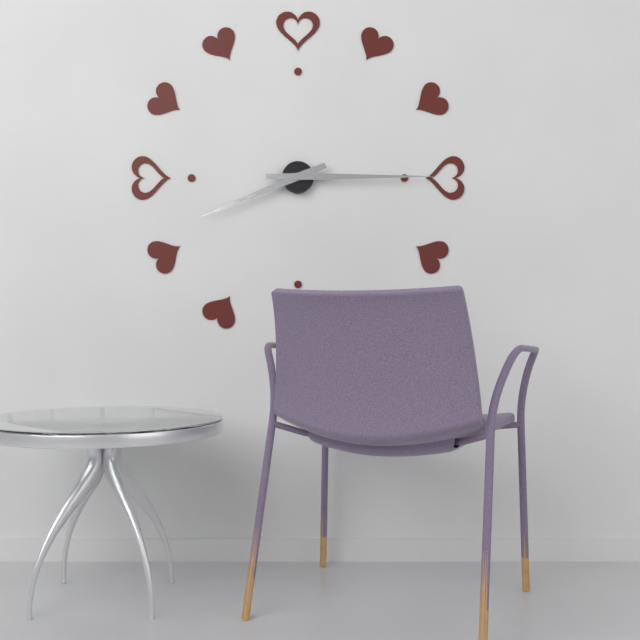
8:15
